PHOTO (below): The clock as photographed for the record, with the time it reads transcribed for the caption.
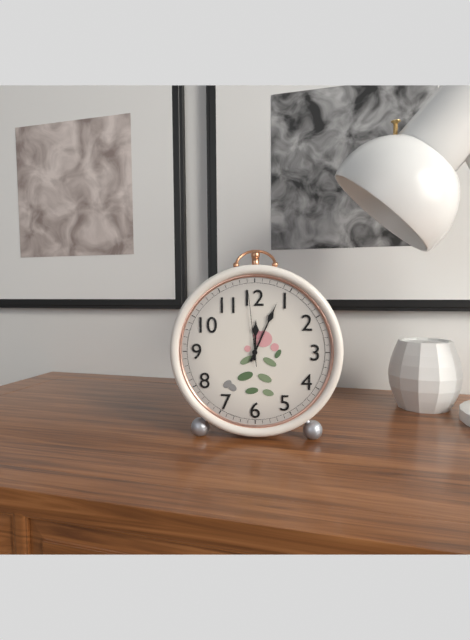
12:04:59
